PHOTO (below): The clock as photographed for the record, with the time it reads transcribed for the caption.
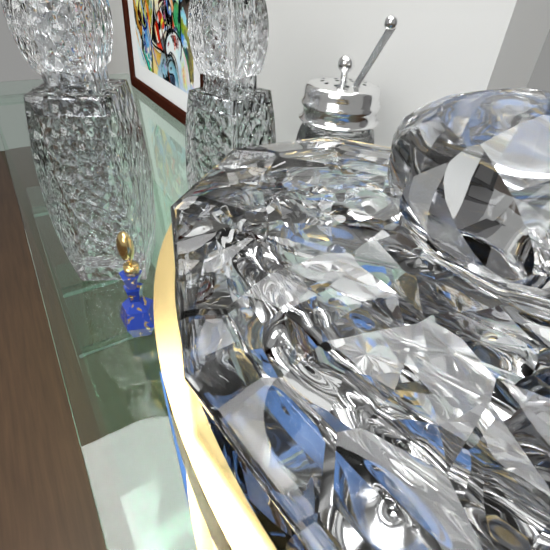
1:31
